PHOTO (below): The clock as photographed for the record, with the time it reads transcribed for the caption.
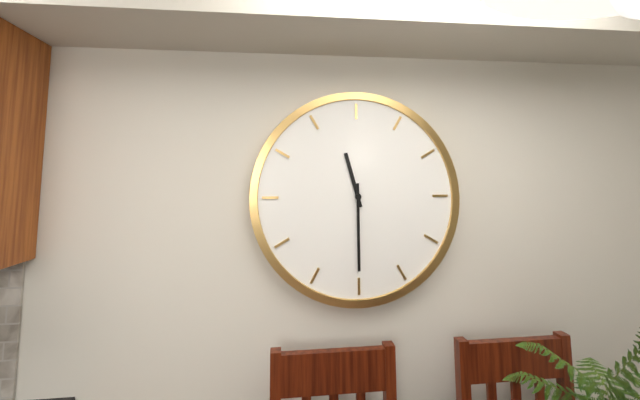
11:30
